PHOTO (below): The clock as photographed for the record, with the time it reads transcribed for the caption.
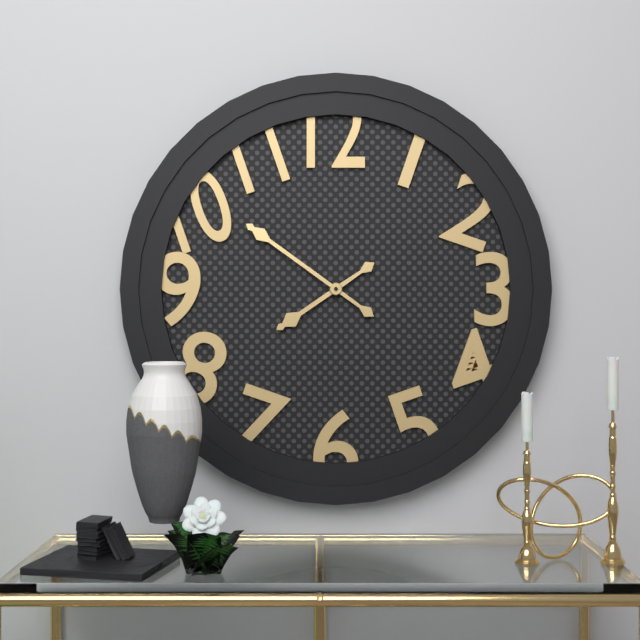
7:51
